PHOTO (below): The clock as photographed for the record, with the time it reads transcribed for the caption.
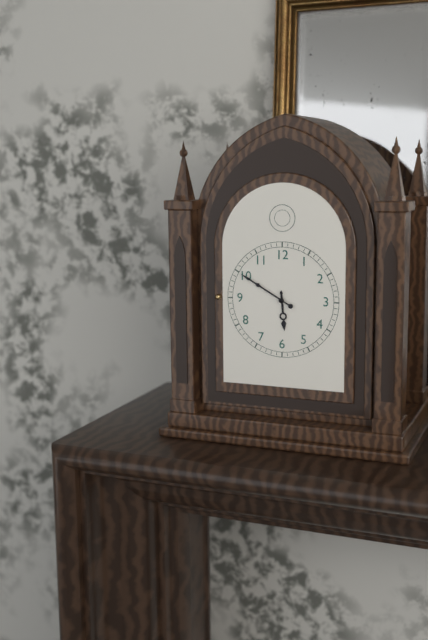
5:50
